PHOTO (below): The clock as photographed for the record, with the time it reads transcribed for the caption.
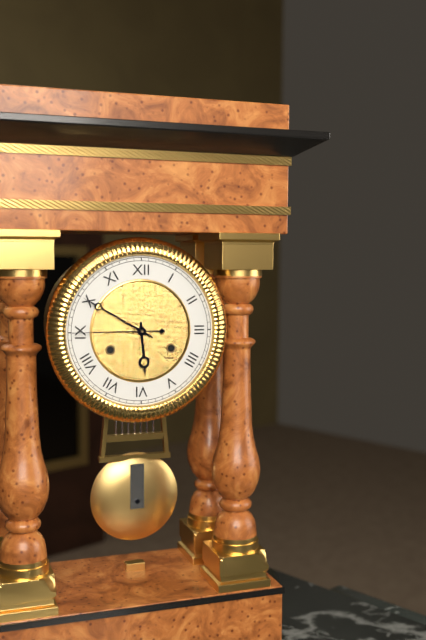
5:50:45
